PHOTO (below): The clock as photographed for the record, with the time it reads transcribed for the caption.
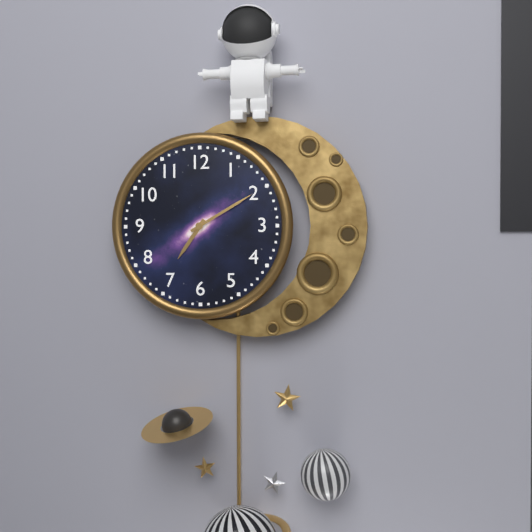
7:10
